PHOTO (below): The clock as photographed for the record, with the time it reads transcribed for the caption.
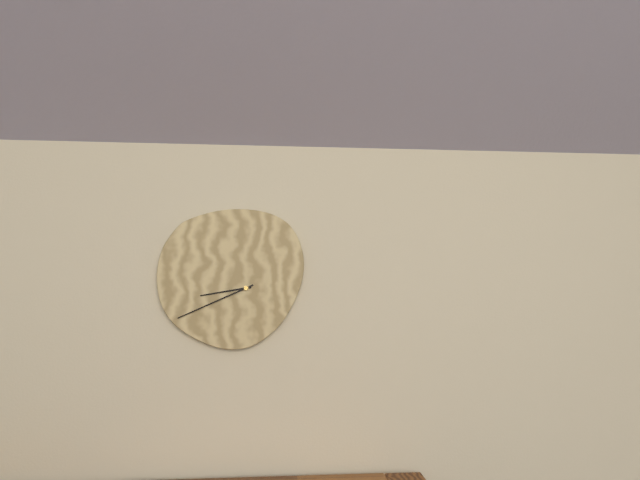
8:41
